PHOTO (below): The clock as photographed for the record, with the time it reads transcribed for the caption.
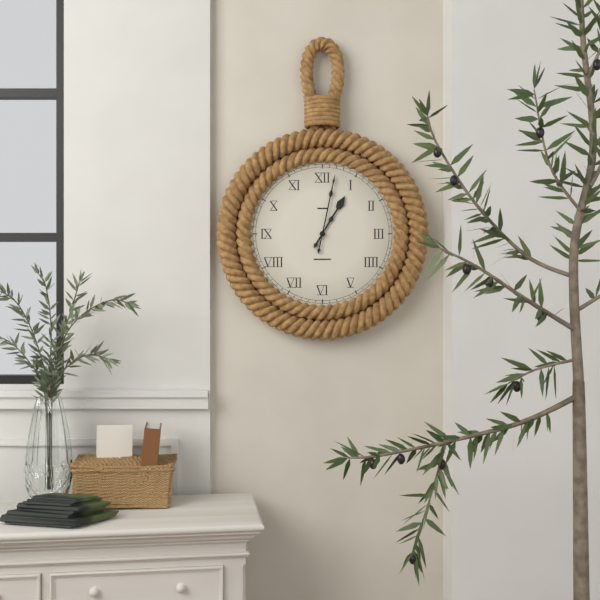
1:02
